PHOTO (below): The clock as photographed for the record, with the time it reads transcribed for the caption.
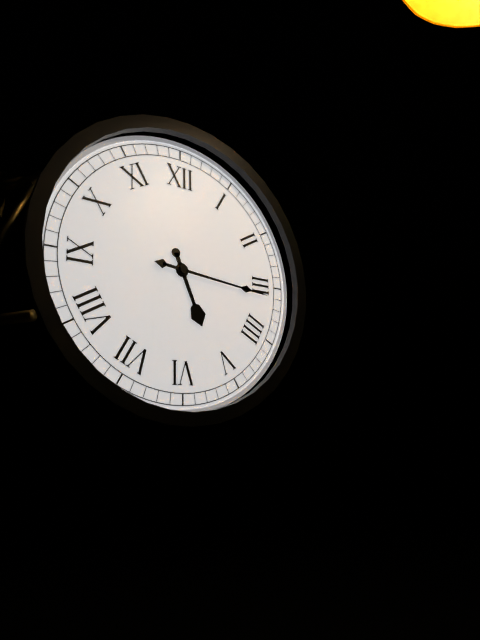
5:16
